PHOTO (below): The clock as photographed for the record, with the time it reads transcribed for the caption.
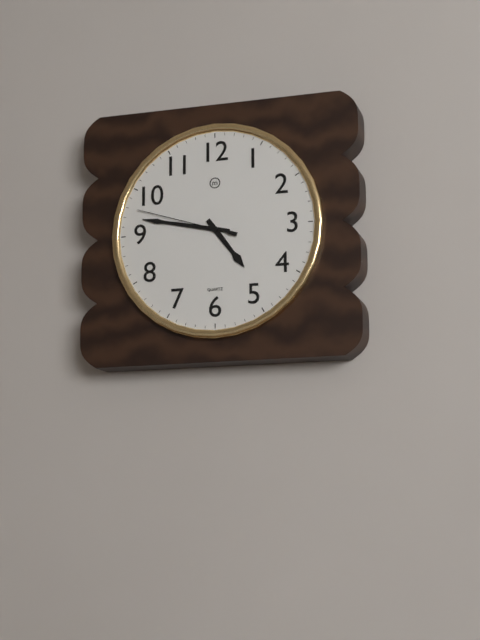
4:47:48
